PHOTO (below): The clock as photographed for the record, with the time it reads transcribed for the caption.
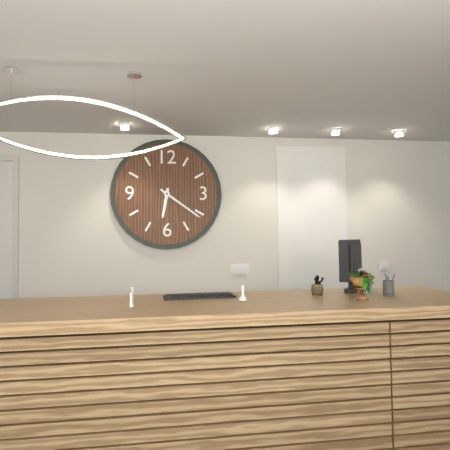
6:21
